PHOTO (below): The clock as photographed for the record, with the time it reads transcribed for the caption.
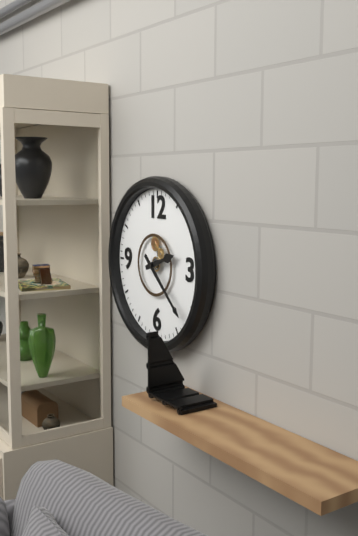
2:22
